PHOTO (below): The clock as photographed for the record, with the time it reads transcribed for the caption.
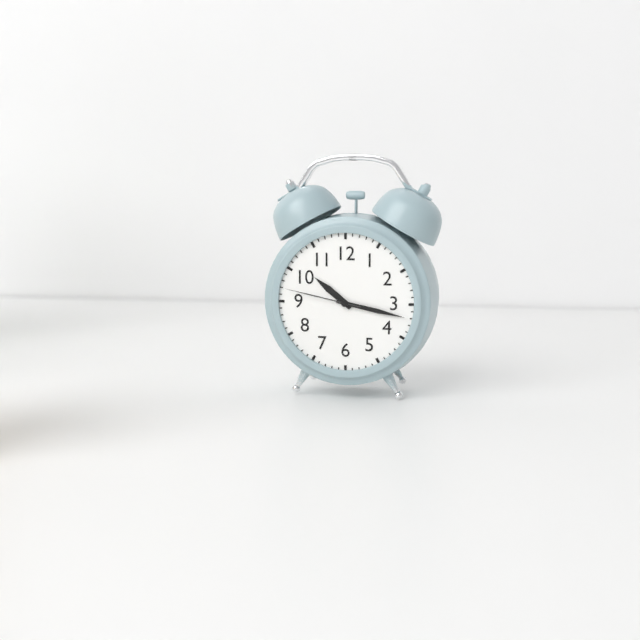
10:17:47
